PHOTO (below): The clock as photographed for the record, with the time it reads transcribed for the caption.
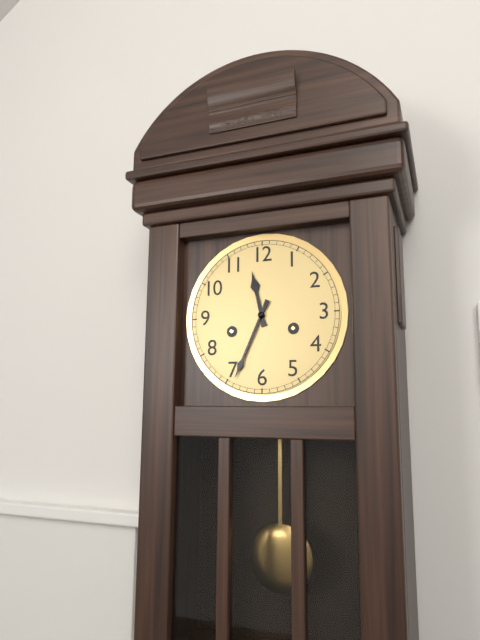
11:34
